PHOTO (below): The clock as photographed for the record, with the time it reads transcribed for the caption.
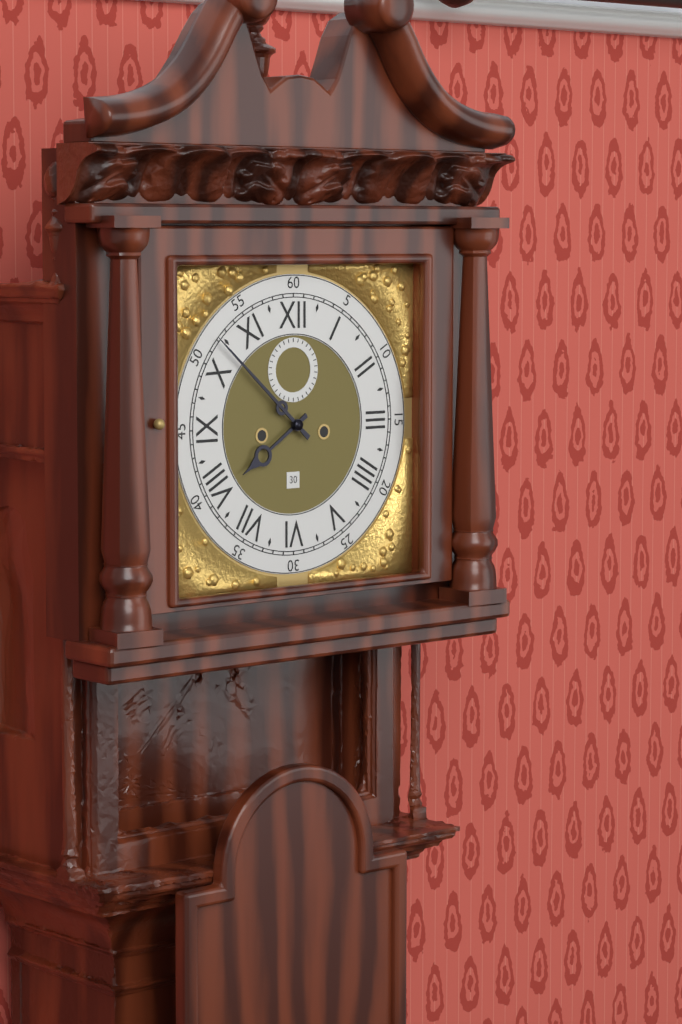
7:52
